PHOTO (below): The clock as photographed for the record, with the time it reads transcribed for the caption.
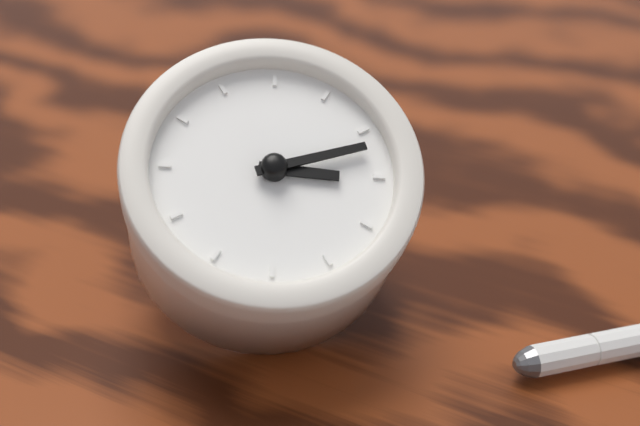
2:07
